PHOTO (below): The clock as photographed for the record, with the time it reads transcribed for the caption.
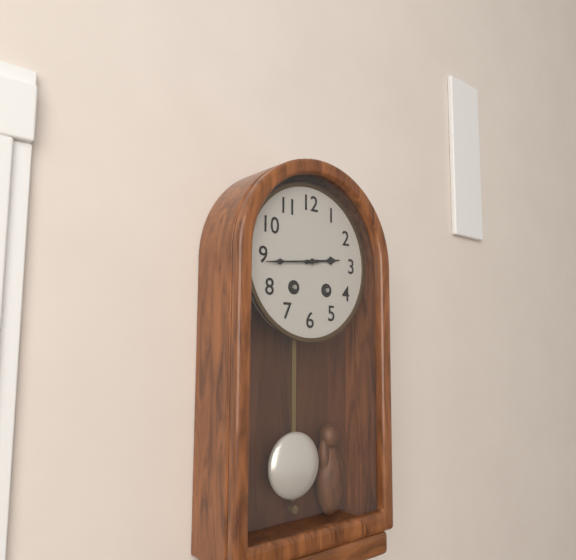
2:44
